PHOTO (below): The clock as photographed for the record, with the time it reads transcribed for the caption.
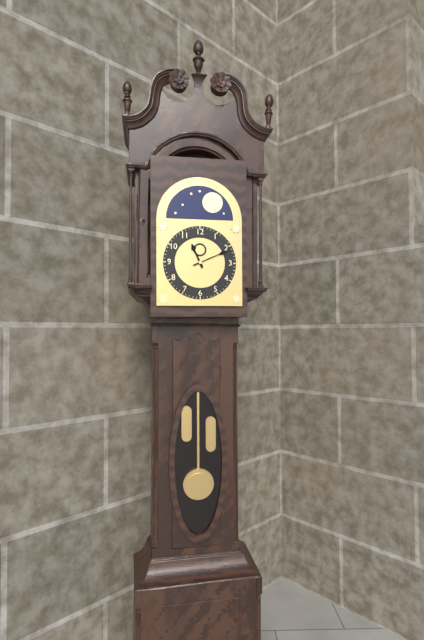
11:11
